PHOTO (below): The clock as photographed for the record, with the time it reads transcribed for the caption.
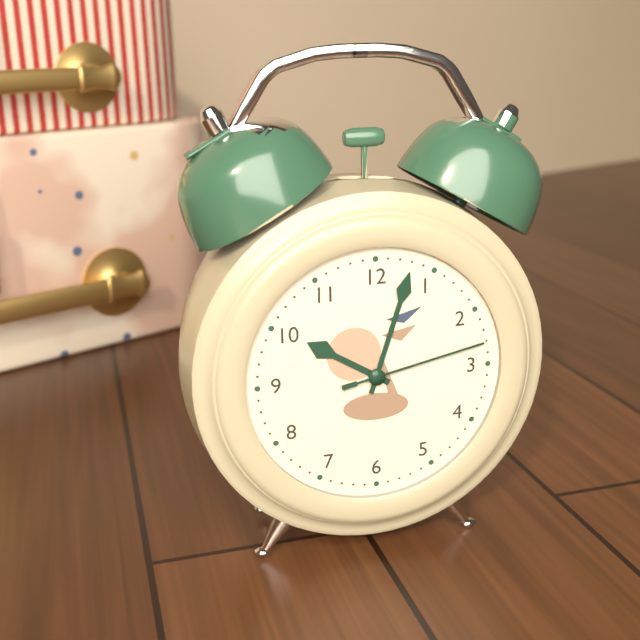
10:03:13
